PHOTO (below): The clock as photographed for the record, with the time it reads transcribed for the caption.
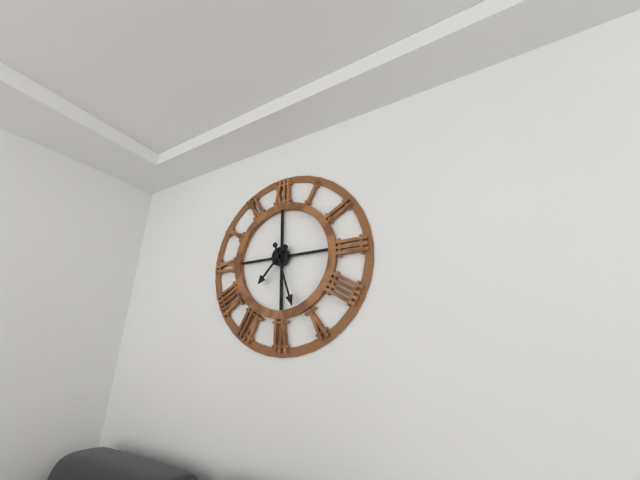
7:27
